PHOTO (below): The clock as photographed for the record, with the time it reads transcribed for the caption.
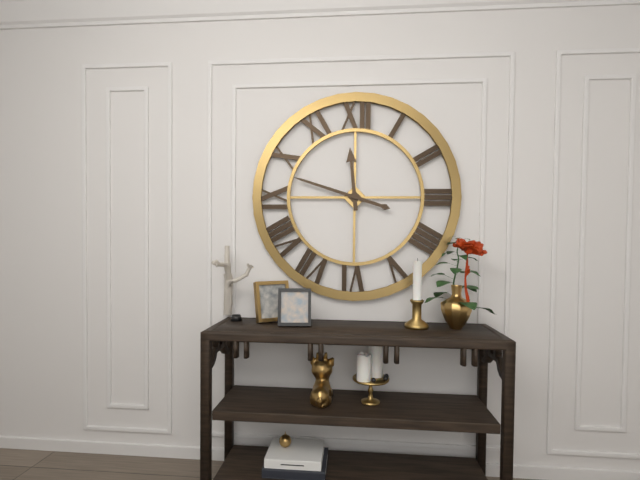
11:48
